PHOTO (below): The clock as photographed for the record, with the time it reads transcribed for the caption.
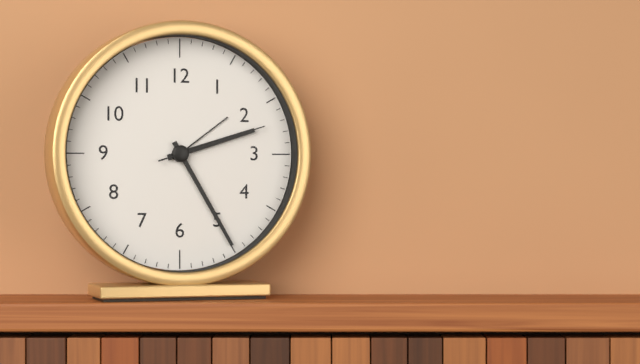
2:25:12
